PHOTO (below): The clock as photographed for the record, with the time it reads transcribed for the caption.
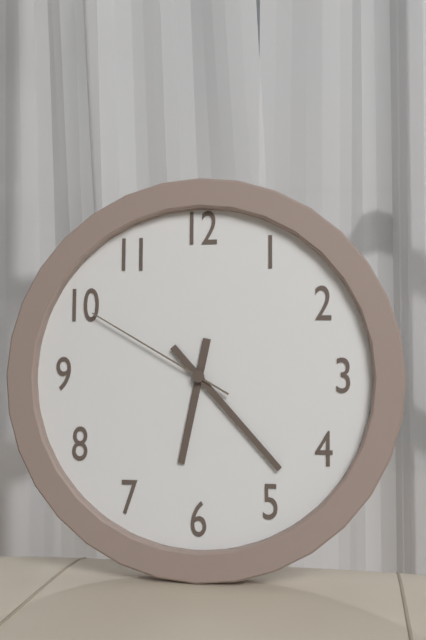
6:23:50
